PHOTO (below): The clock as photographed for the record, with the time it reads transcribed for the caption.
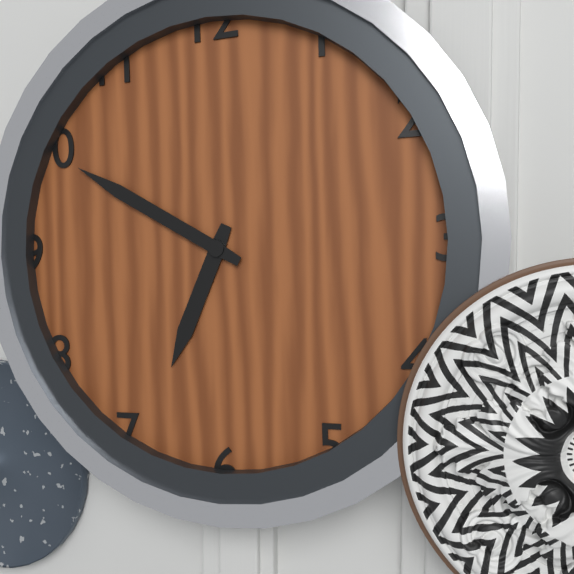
6:50
